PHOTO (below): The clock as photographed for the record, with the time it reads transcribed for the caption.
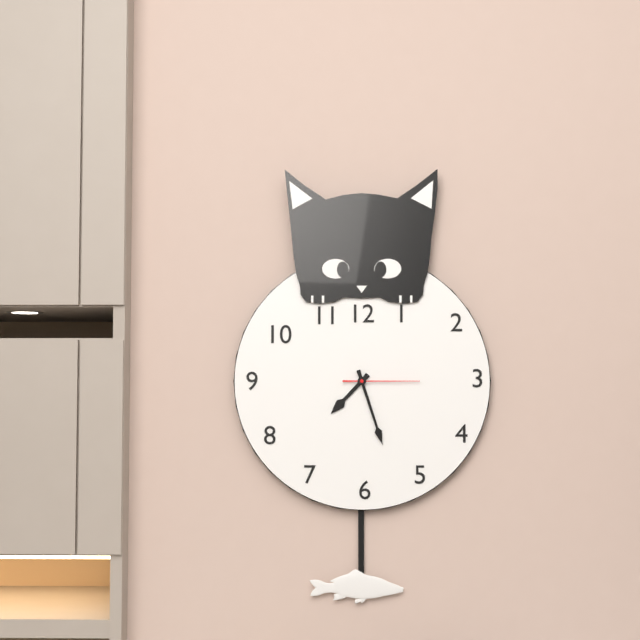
7:27:15
